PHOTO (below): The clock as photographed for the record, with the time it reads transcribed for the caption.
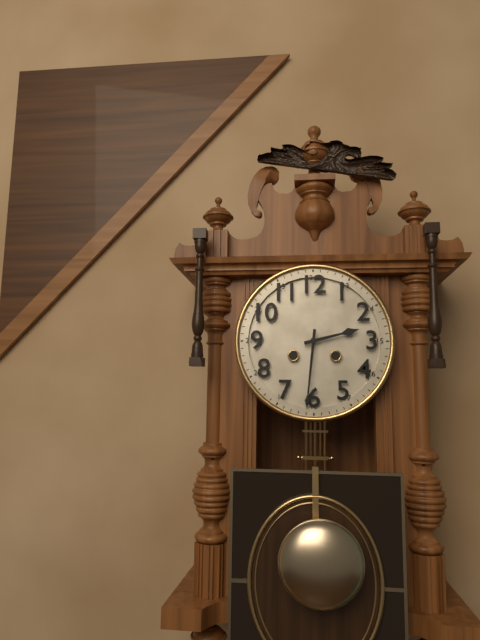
2:31
